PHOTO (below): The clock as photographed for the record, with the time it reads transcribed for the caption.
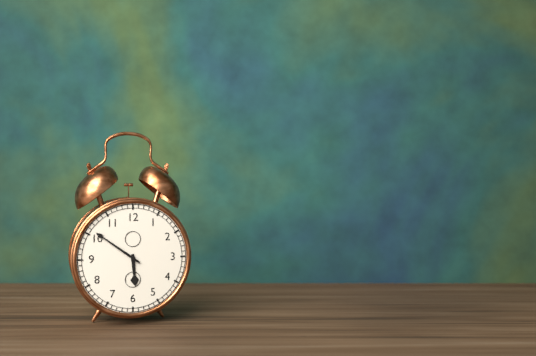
5:51
